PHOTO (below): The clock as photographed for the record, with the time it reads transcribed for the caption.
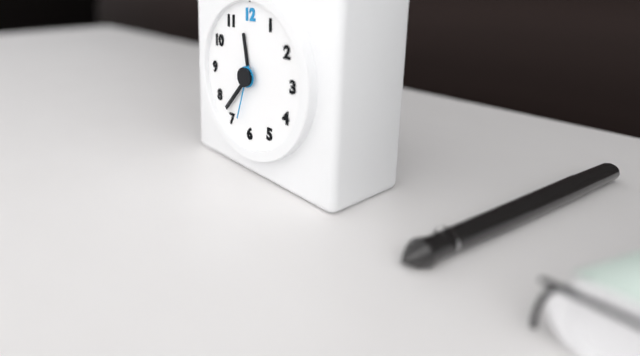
11:37:33
